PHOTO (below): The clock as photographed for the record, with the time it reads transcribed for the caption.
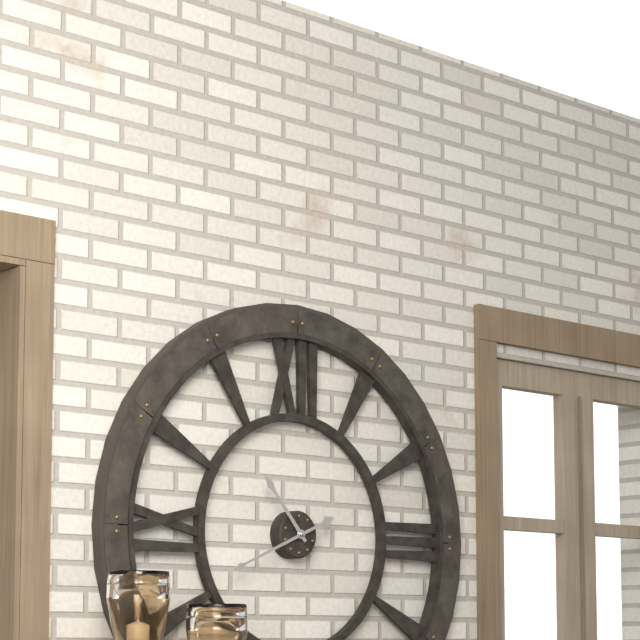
10:41
